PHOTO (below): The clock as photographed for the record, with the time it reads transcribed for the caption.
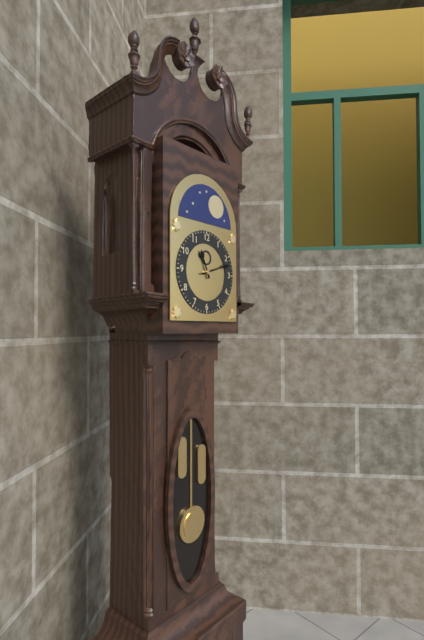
11:12
